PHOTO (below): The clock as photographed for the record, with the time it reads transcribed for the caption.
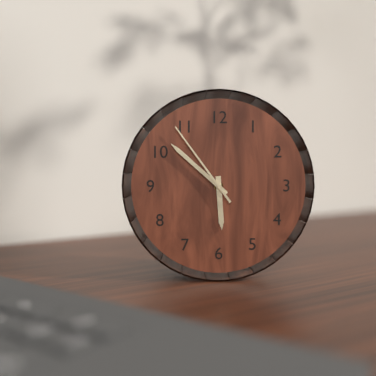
5:52:54
